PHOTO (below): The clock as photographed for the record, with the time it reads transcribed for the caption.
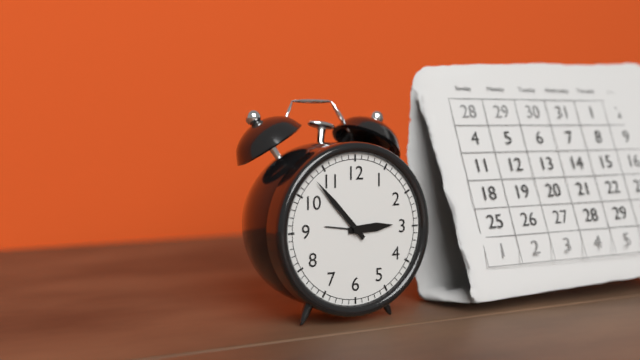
2:53
